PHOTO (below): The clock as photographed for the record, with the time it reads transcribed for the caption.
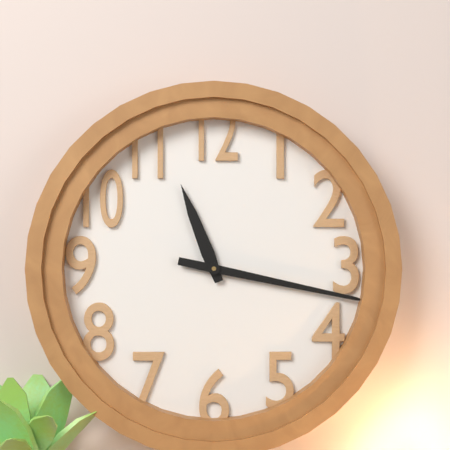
11:17
